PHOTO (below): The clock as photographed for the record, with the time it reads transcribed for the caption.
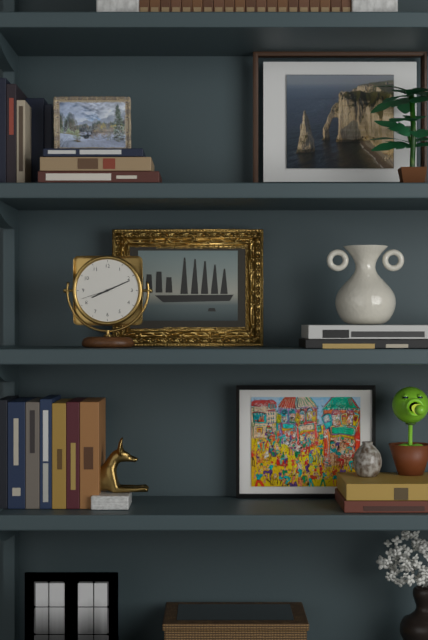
8:11
